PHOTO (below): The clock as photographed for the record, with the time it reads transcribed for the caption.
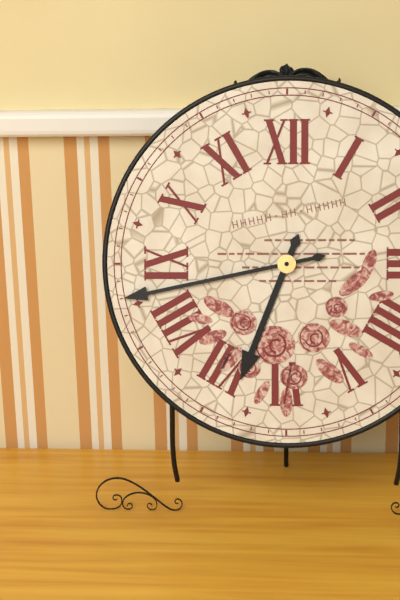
6:43
